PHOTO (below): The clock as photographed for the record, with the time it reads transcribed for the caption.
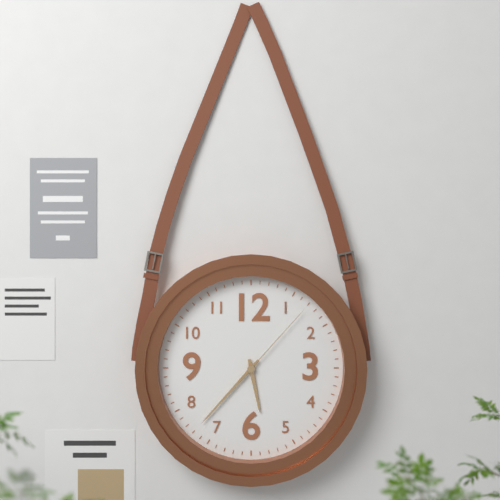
5:37:07
